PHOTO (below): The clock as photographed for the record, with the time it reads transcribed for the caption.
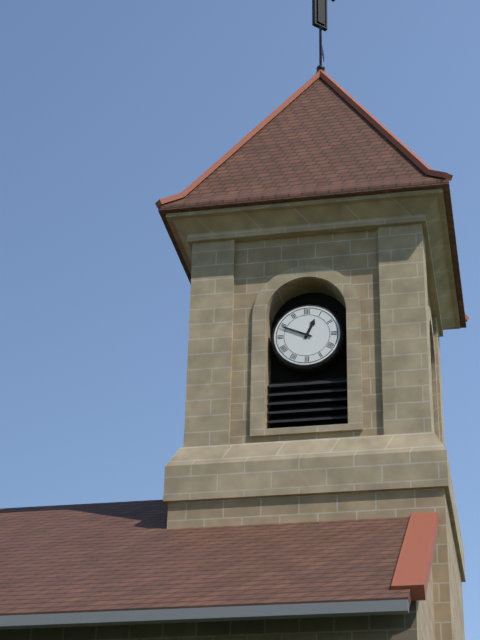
12:49
